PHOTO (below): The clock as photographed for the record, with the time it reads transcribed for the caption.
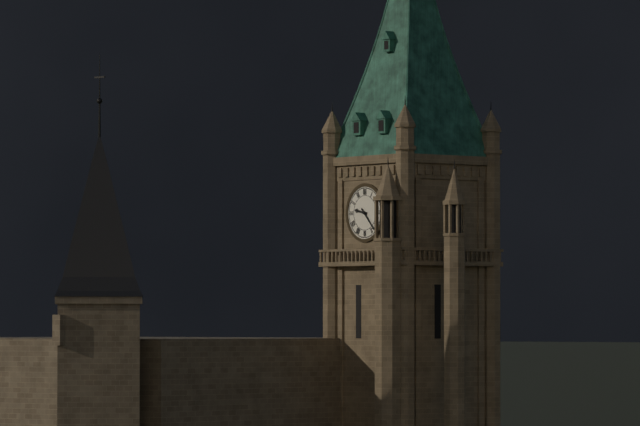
9:23
